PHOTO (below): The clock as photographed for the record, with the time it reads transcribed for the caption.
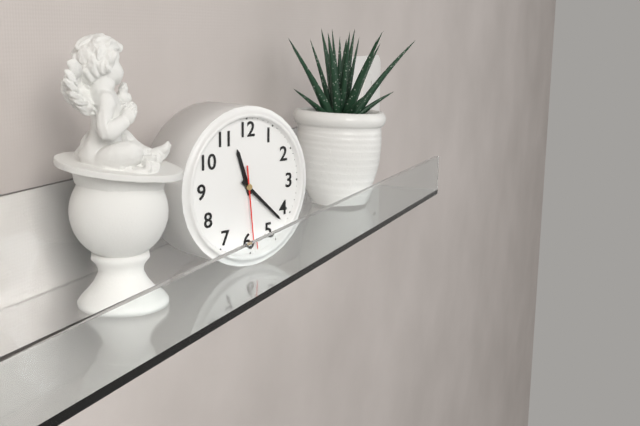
11:22:29
